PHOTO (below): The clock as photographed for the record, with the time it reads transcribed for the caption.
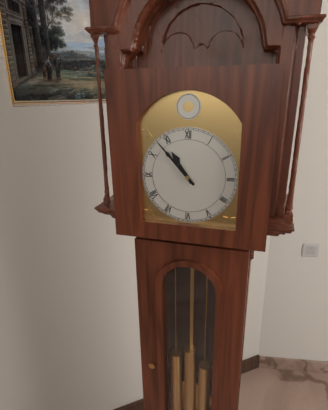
10:53
